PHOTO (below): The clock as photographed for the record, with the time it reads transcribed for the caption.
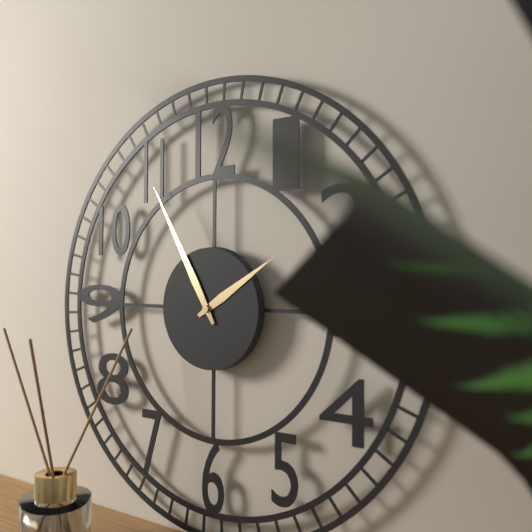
1:55
